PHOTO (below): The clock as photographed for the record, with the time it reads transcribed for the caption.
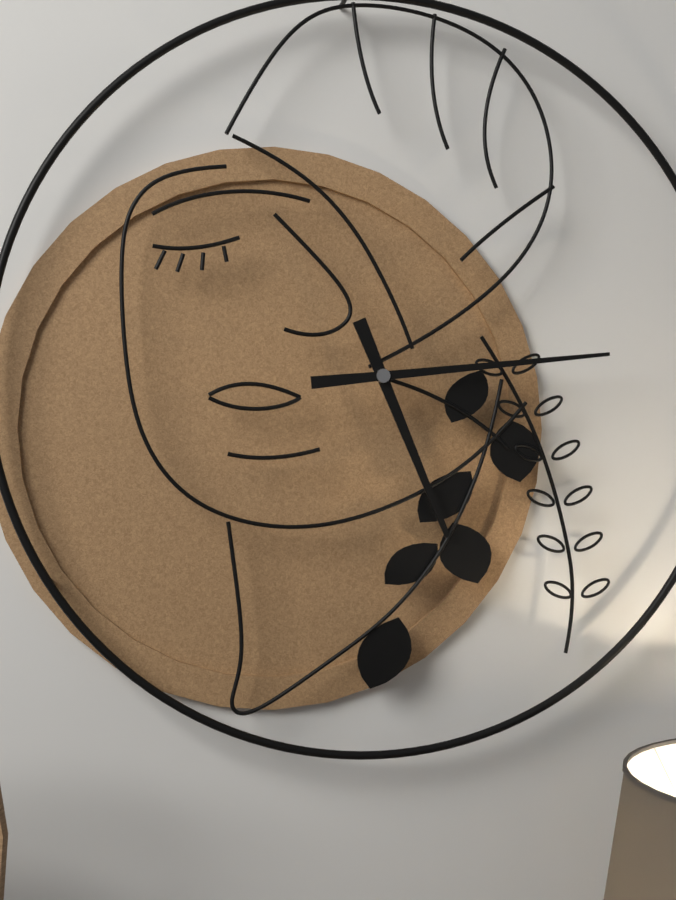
5:14
